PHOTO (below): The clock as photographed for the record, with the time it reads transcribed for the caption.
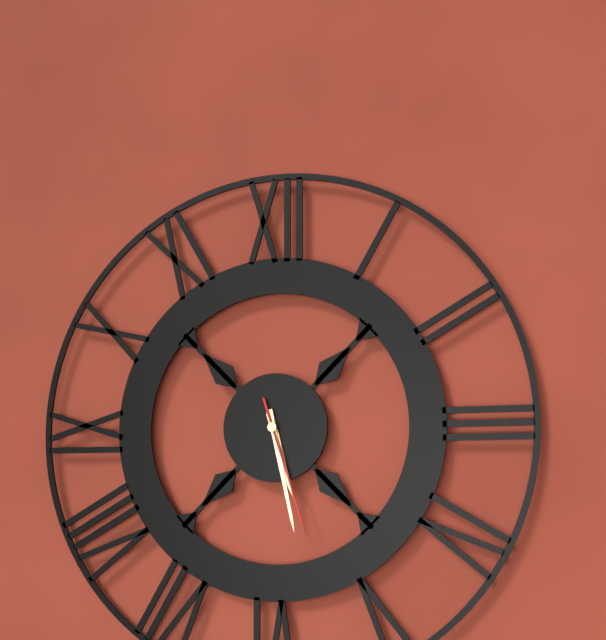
5:28:27
